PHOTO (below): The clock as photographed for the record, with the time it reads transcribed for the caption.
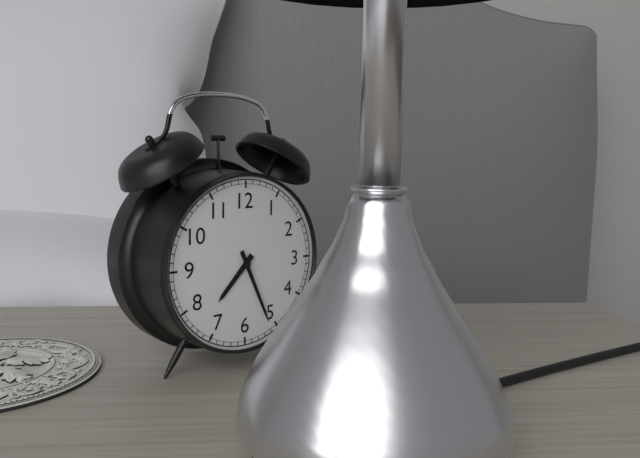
7:26
